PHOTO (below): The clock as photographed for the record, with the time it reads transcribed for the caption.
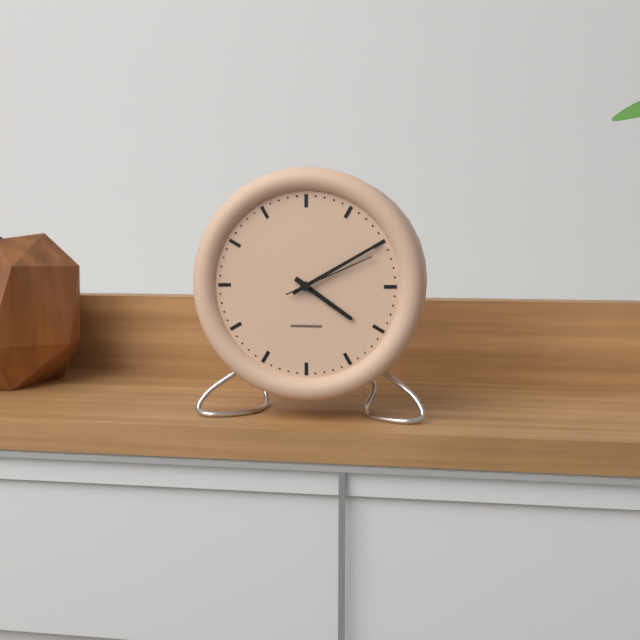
4:10:11
